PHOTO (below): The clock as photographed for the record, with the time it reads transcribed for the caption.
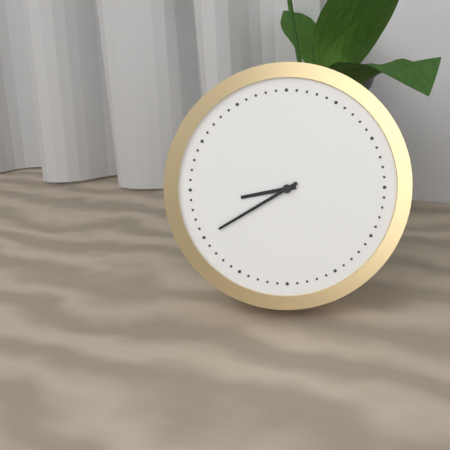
8:40
